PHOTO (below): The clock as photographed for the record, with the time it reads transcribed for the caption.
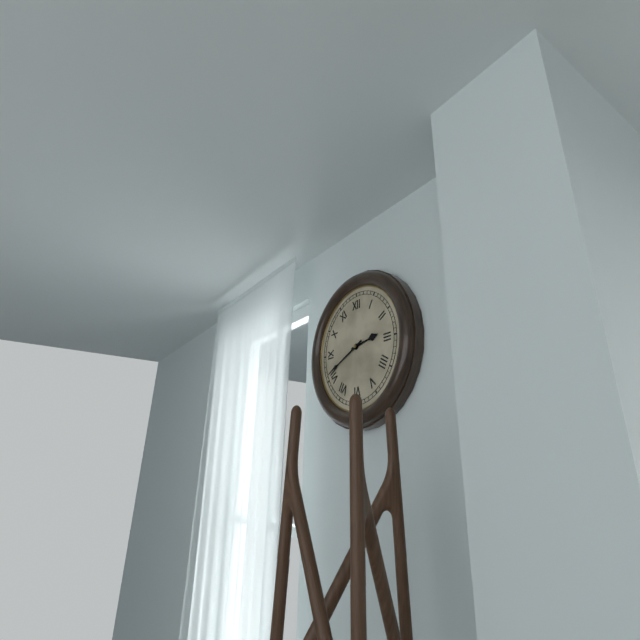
2:41
